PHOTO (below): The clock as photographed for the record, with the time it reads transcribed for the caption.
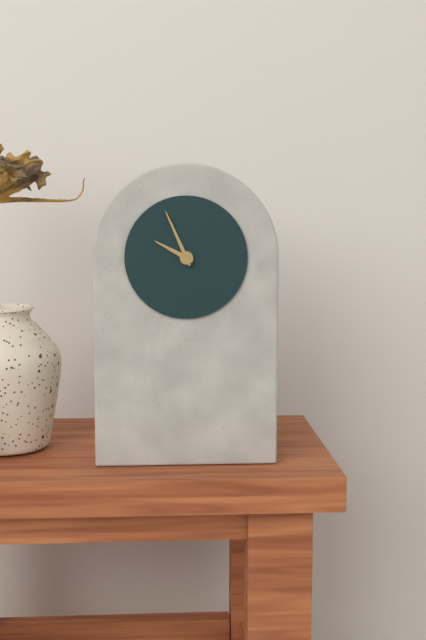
9:56
